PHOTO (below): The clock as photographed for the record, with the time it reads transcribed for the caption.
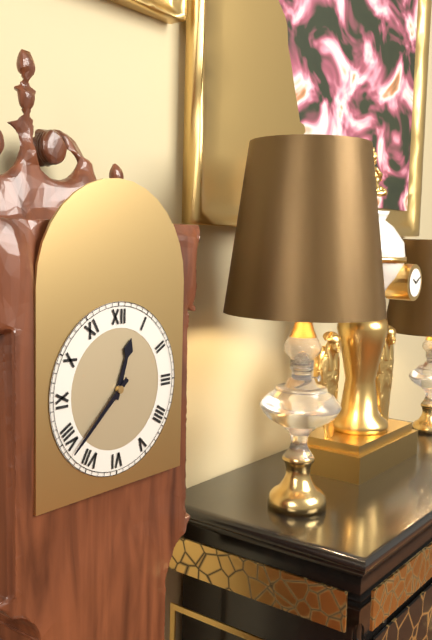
12:38
